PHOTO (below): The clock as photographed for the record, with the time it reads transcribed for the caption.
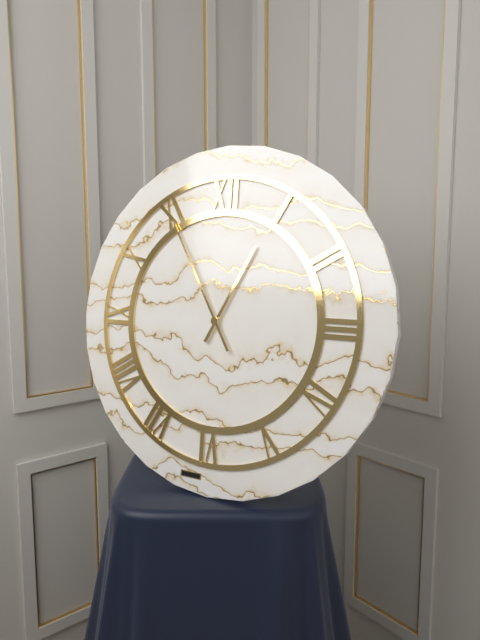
12:55
